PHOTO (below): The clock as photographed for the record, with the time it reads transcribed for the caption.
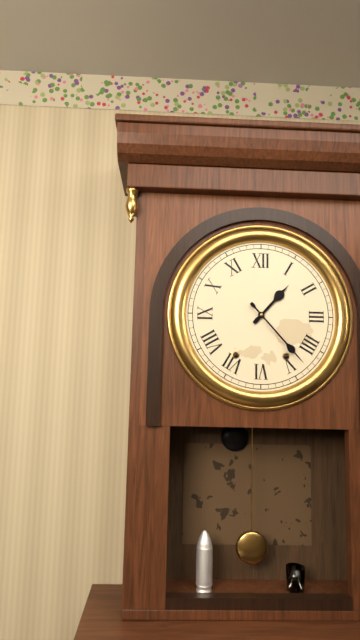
1:23
